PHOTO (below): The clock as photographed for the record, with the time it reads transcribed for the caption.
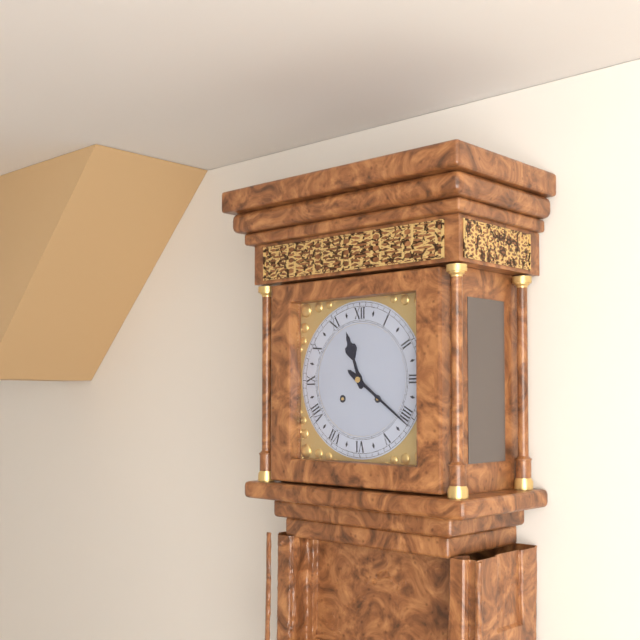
11:21
